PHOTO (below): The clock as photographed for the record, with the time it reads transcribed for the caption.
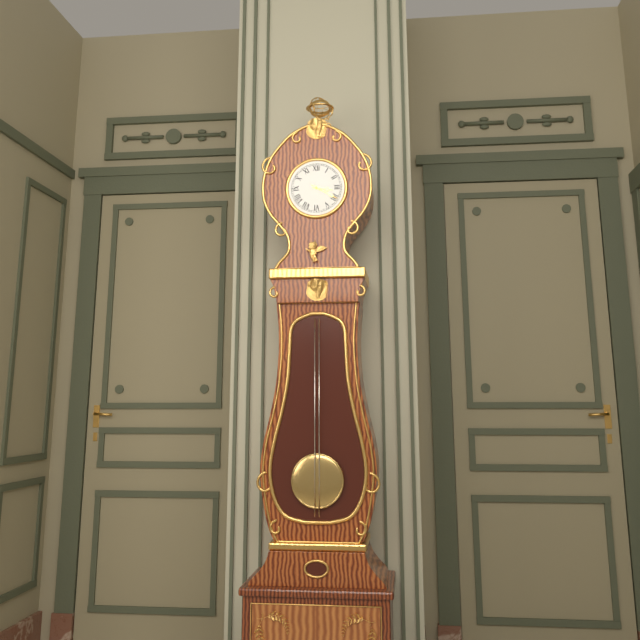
3:20
